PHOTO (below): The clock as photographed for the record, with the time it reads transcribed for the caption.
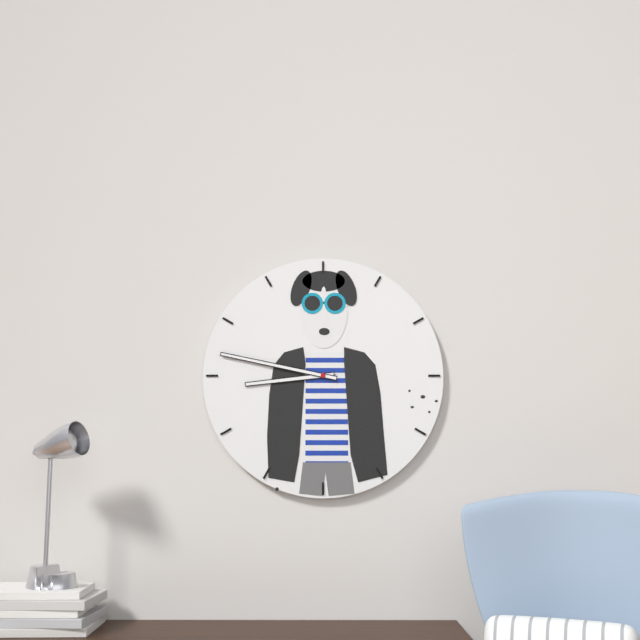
8:47
